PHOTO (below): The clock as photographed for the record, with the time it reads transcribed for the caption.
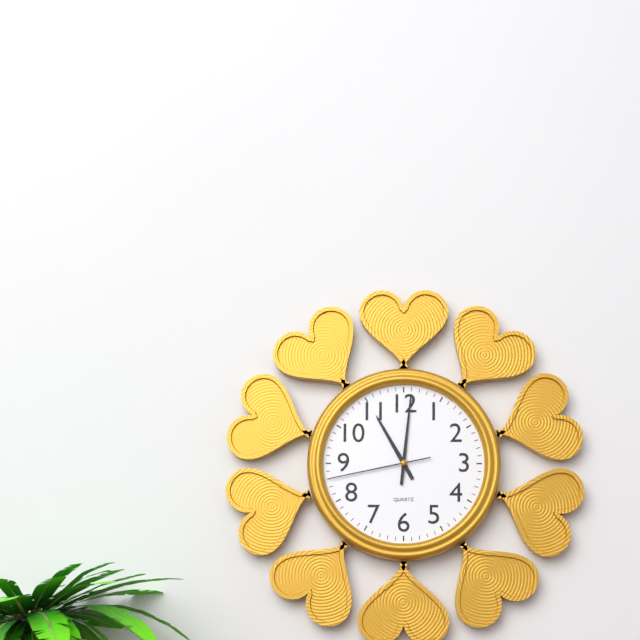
11:01:43
